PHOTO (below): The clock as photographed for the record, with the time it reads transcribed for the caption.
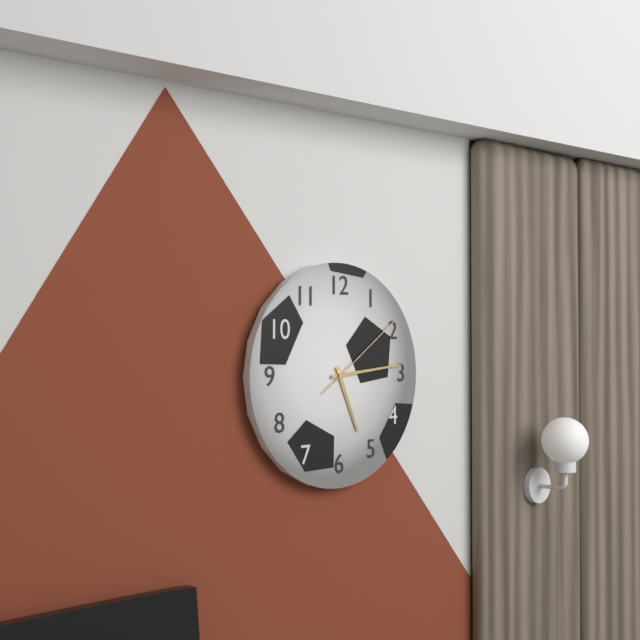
5:14:09
